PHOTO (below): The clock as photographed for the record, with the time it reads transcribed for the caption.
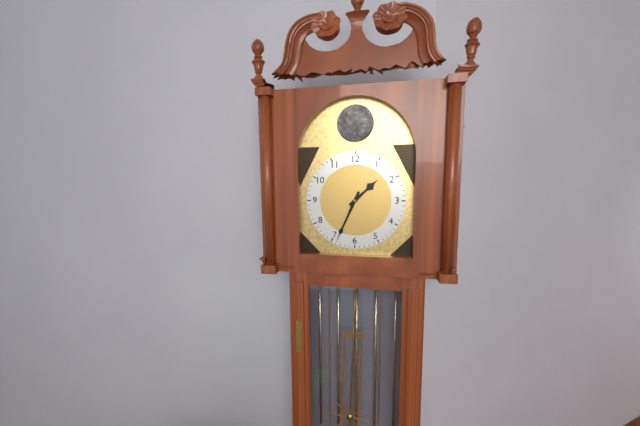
1:34
